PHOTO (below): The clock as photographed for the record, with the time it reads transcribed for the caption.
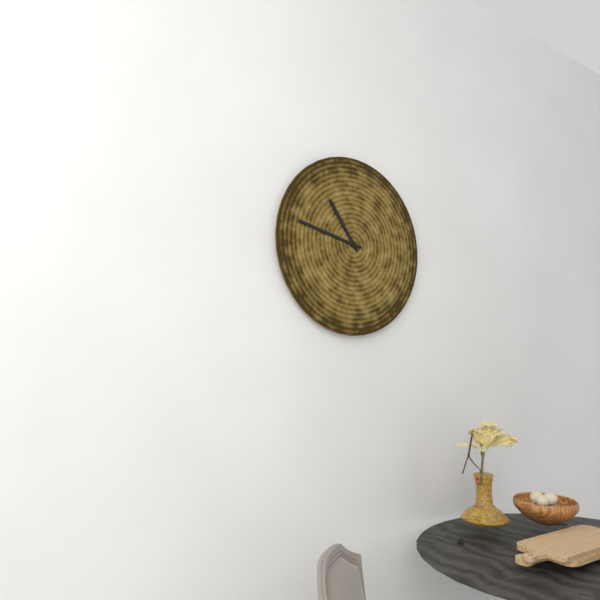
10:47
